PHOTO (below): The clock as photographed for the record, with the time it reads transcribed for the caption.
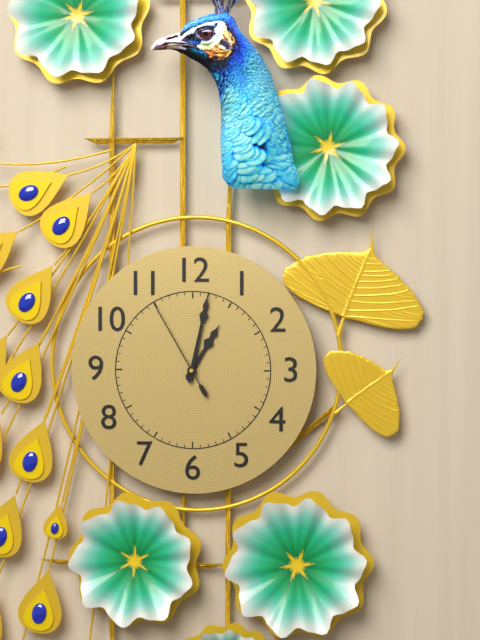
1:02:55
